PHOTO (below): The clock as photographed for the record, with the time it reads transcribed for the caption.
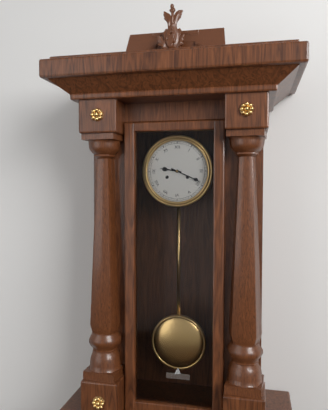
9:19
